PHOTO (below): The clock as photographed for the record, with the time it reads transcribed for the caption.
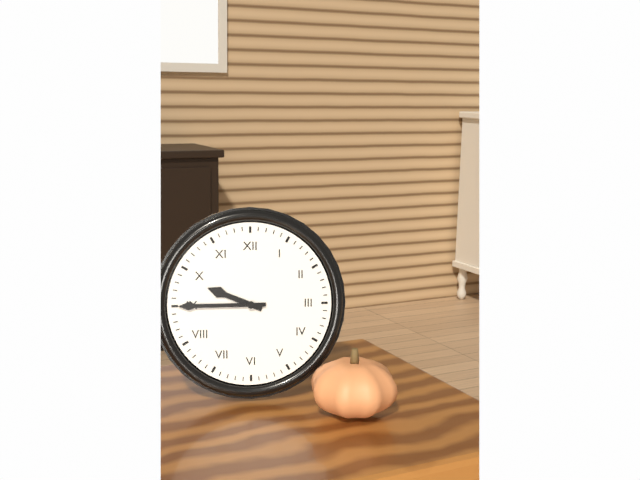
9:45
